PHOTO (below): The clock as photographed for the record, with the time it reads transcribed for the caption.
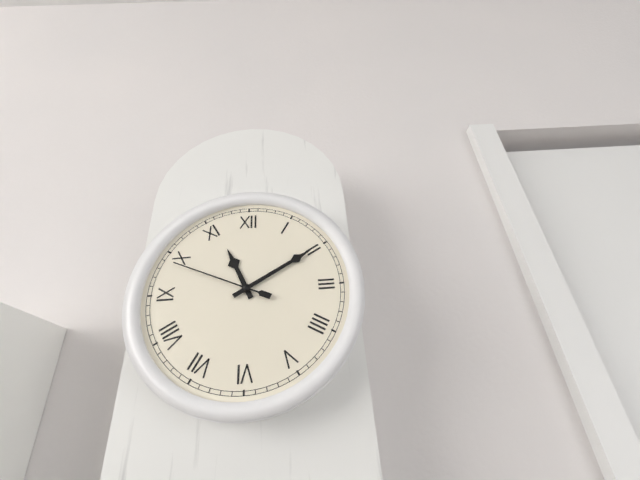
11:10:49
